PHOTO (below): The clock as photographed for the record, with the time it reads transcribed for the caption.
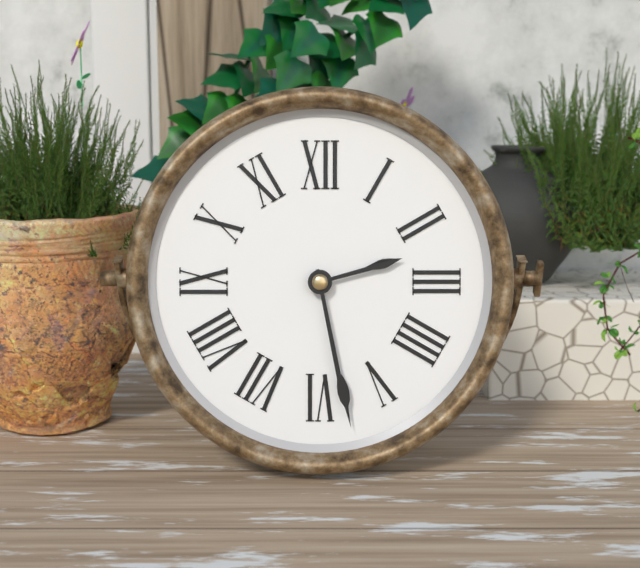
2:28
